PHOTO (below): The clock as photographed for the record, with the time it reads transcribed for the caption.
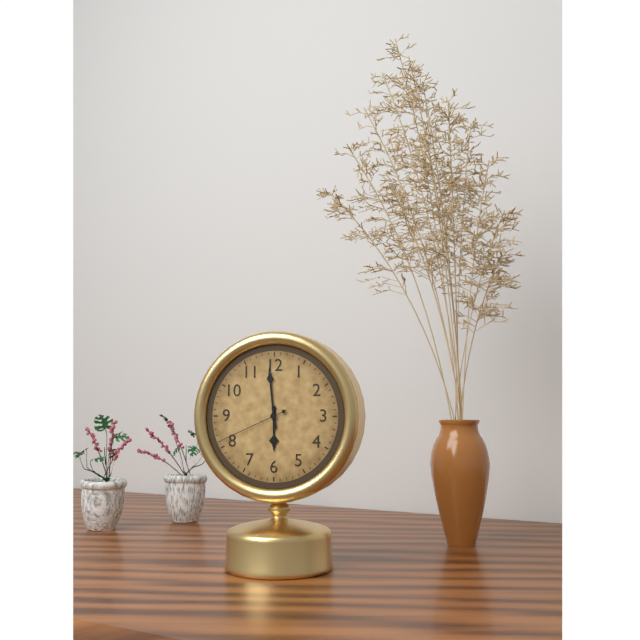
5:59:41
